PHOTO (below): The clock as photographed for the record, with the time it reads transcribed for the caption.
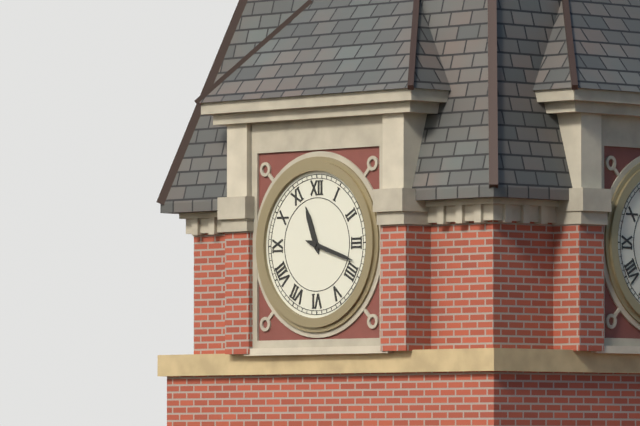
11:18
